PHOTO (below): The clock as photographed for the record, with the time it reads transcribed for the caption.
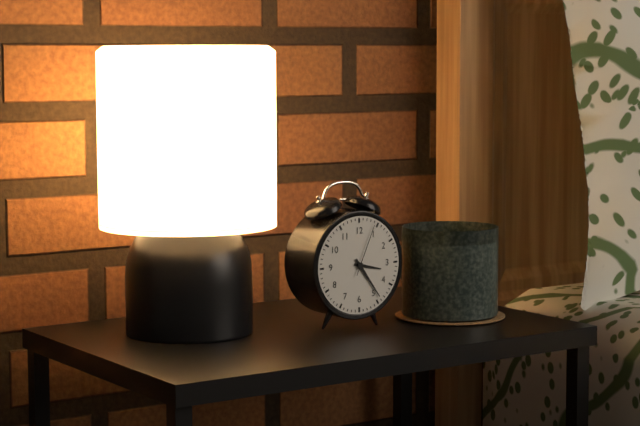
3:24:04
